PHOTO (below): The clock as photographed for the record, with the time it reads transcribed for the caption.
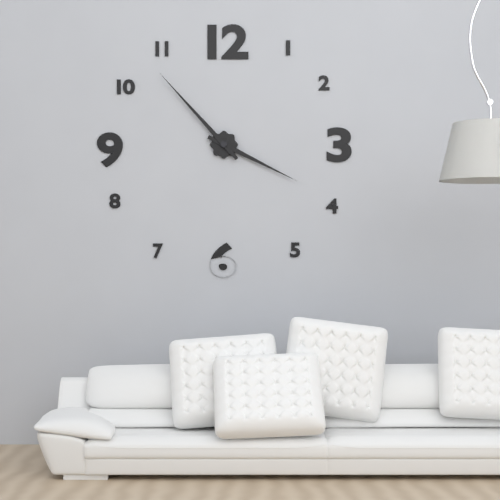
3:53
